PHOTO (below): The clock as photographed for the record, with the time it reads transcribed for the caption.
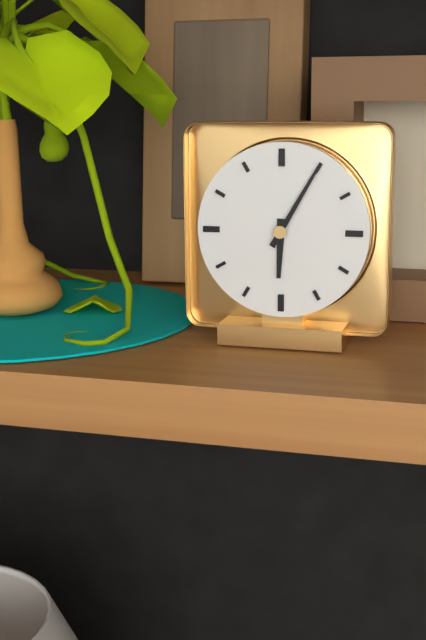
6:05
